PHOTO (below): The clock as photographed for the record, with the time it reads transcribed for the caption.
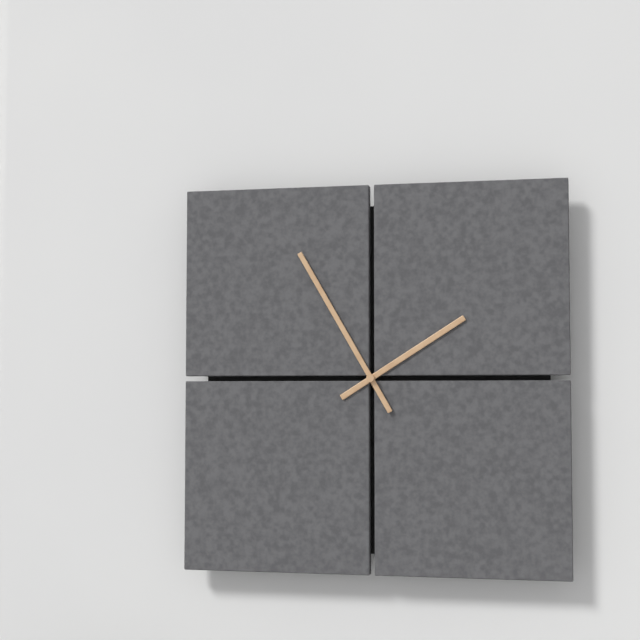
1:55
